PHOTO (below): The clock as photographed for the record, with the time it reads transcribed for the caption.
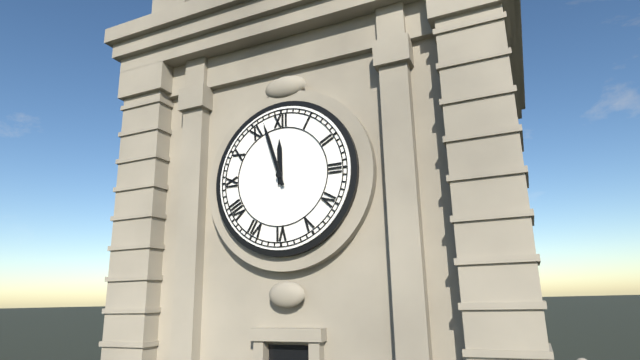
11:57
